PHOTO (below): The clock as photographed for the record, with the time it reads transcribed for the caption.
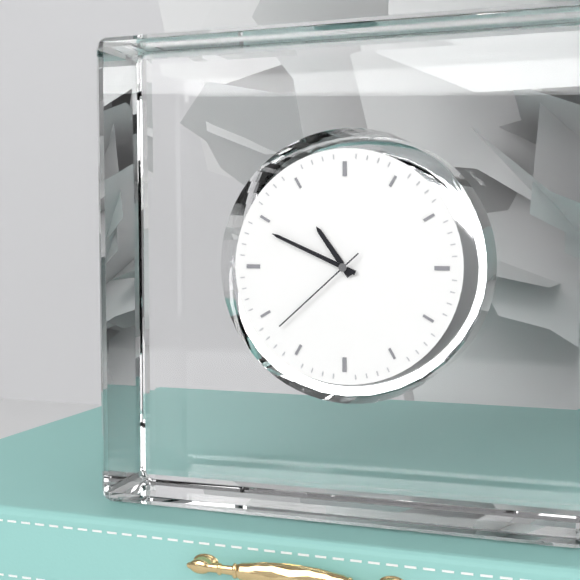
10:49:38
